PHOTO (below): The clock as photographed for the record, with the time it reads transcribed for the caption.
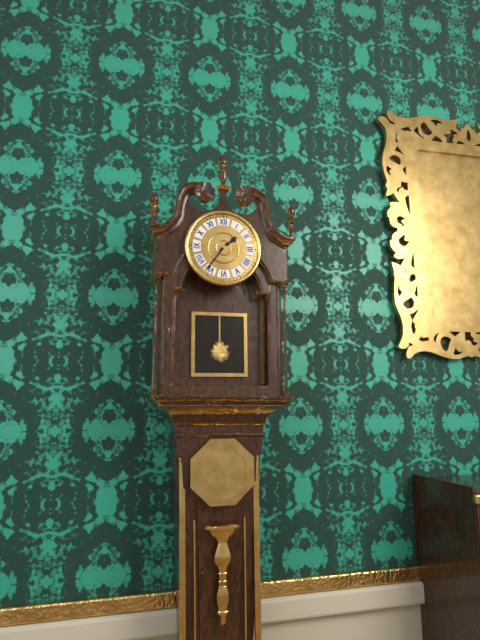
1:36
